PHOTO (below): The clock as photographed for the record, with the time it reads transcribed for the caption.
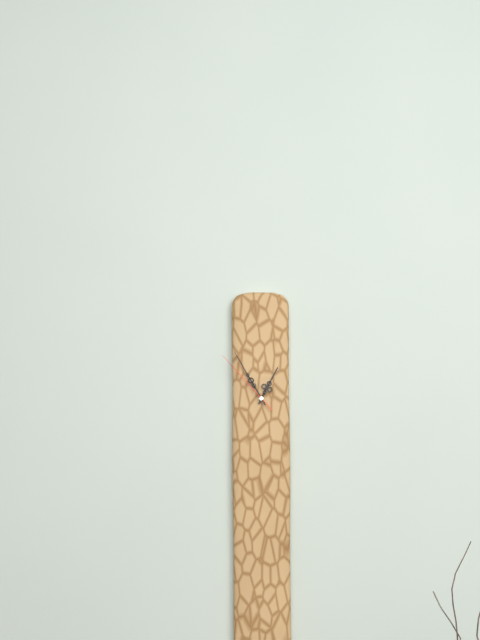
12:55:53
